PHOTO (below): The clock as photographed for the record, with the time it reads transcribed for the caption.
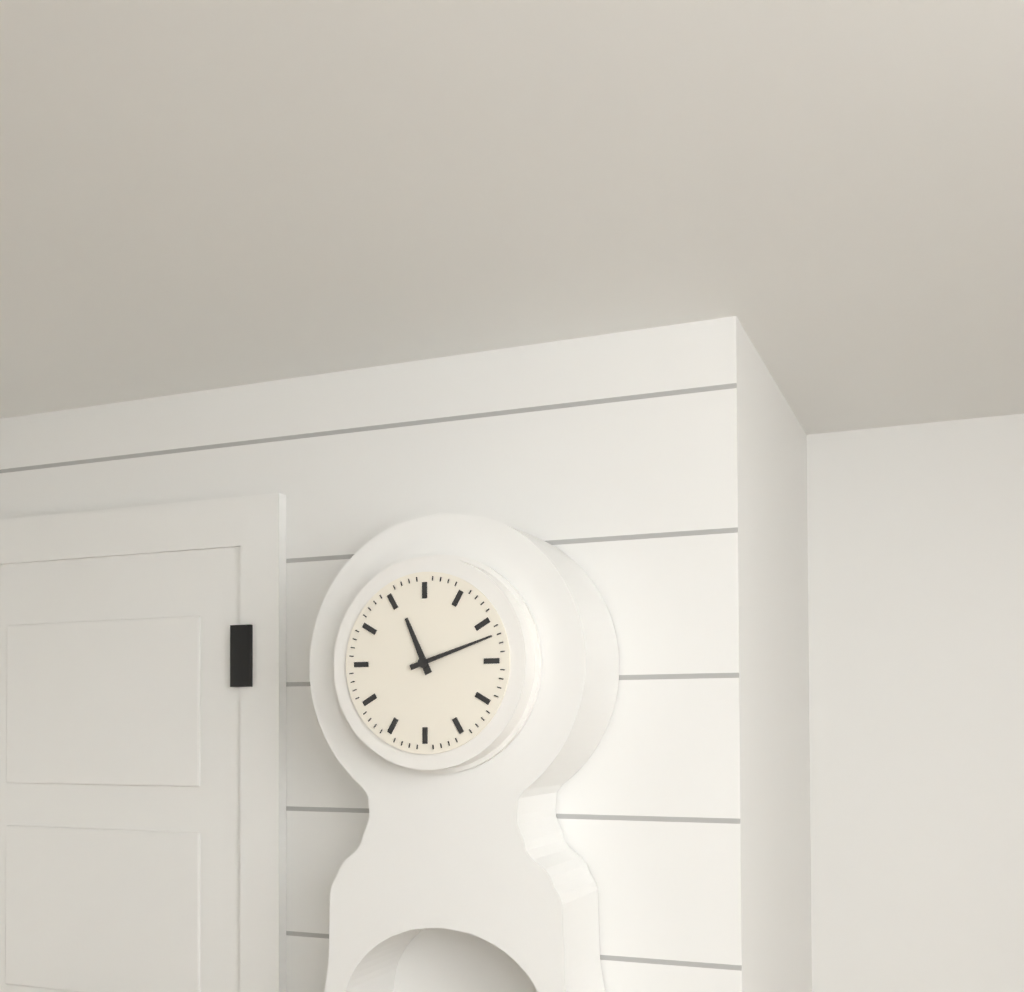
11:12
